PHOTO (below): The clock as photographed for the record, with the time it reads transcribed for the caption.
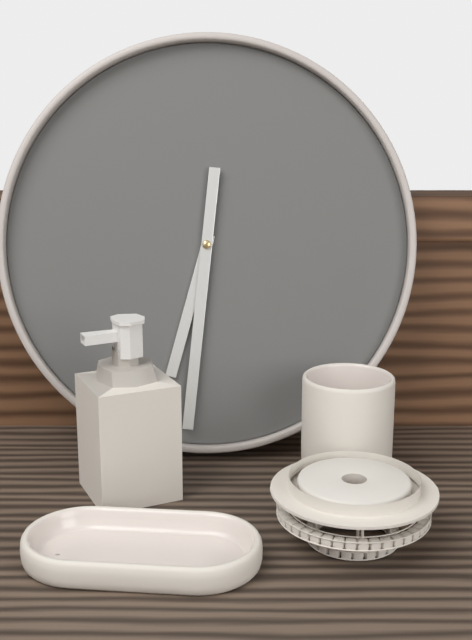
6:31
